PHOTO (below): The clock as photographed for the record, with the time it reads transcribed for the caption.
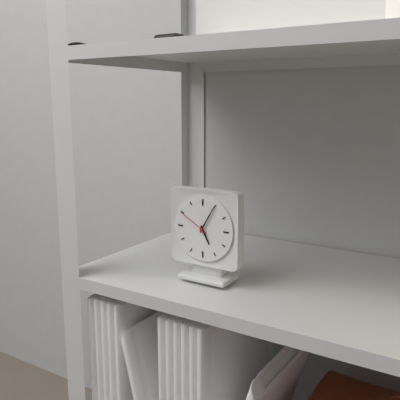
5:05
